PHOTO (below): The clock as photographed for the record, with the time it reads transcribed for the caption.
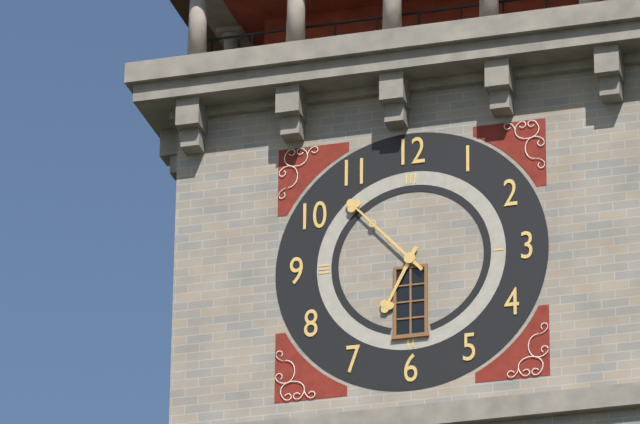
6:53
